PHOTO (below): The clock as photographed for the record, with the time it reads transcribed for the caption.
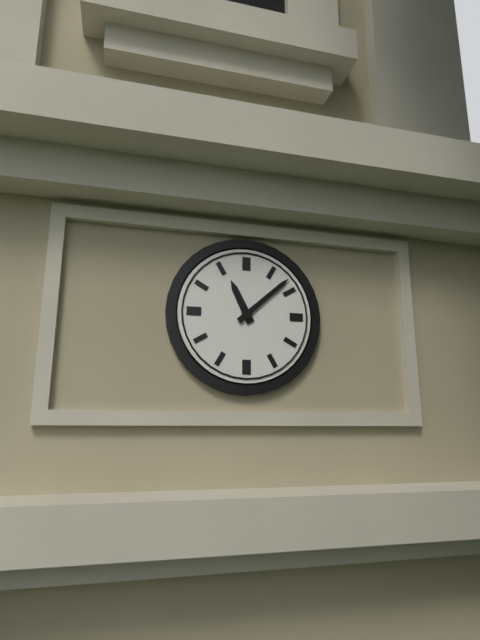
11:08
